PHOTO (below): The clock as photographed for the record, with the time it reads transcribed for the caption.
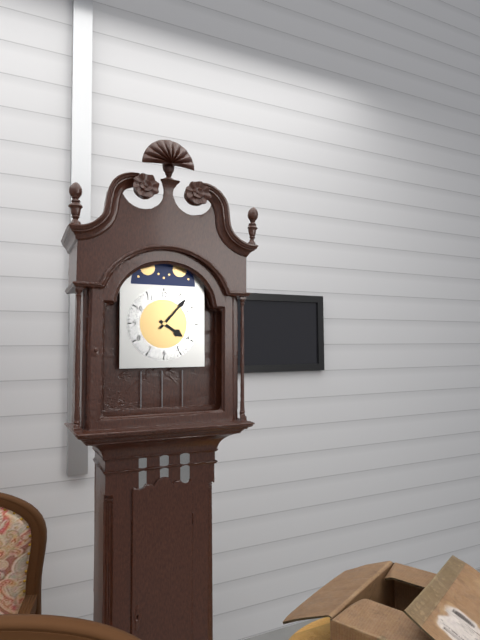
4:07
